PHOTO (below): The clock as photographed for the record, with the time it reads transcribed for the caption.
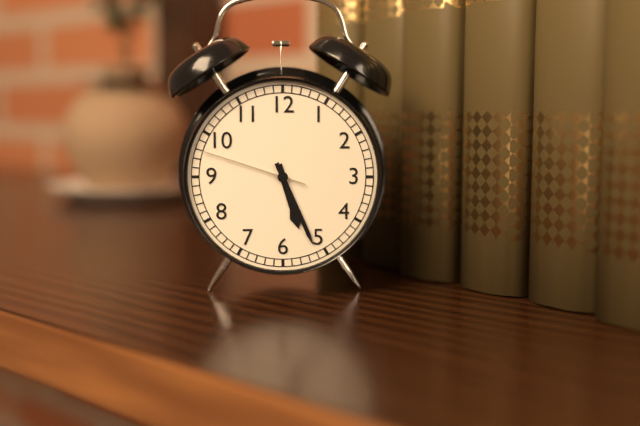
5:26:48
